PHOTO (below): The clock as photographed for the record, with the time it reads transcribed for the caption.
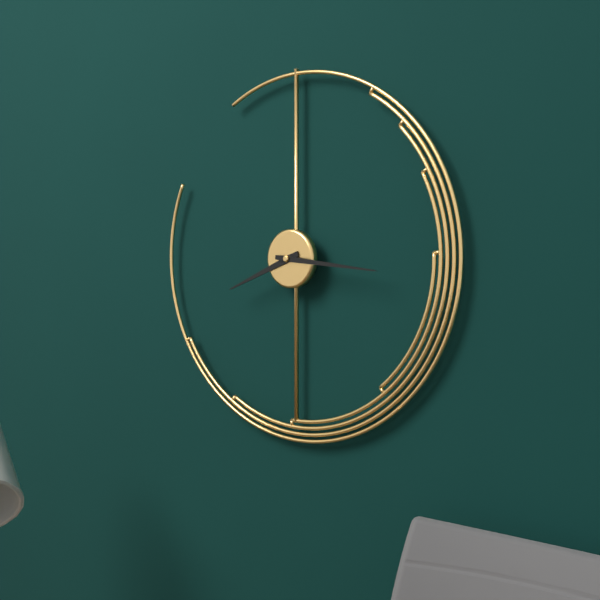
8:16
